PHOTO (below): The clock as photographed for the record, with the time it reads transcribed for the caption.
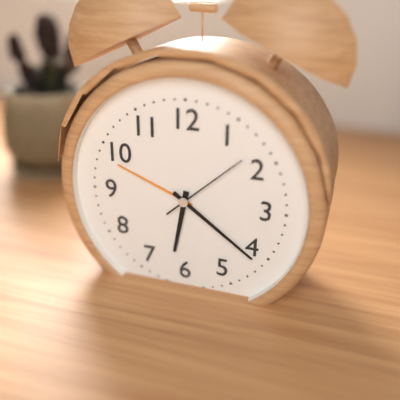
6:21:08
